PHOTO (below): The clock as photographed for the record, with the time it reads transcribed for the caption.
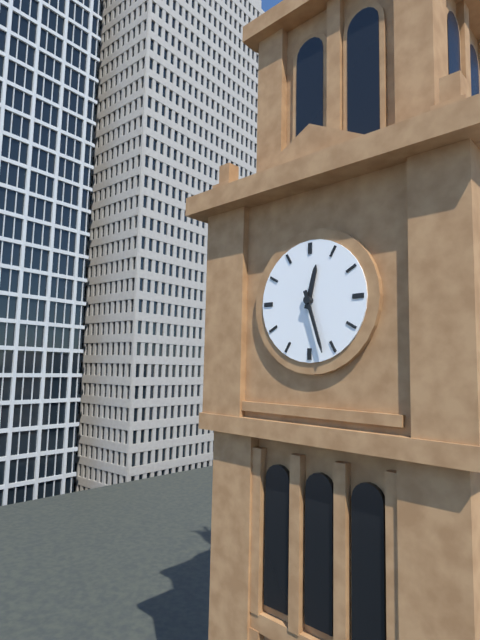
12:27
